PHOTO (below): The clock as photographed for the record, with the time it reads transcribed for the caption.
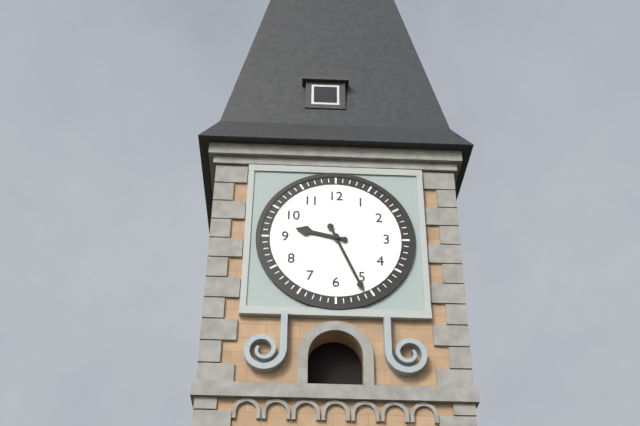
9:26
